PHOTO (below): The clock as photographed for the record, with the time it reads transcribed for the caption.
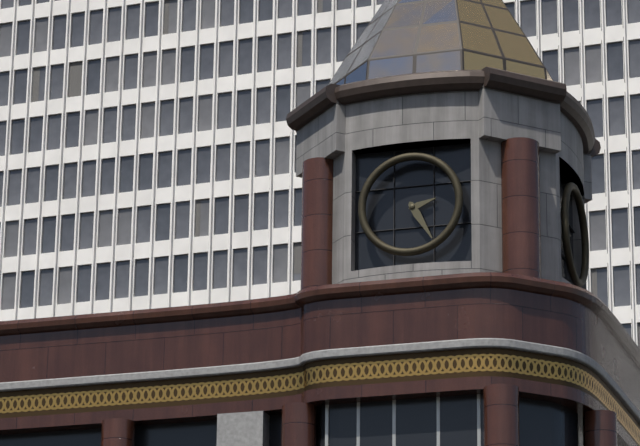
2:25
